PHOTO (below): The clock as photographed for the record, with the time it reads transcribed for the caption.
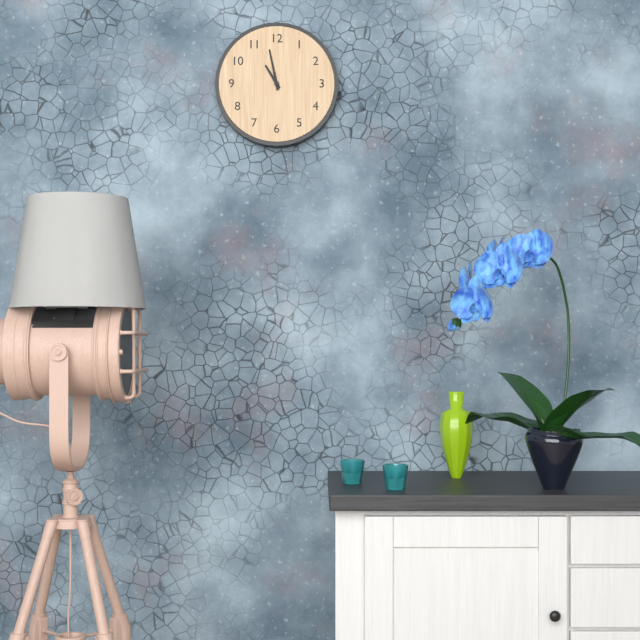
10:58
